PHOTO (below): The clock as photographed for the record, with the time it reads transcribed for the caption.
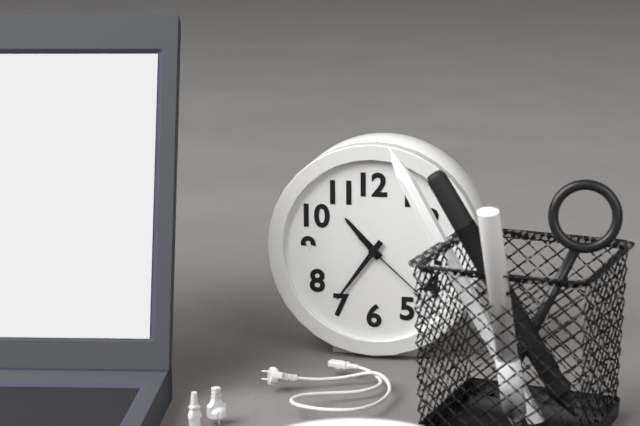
10:36:22
